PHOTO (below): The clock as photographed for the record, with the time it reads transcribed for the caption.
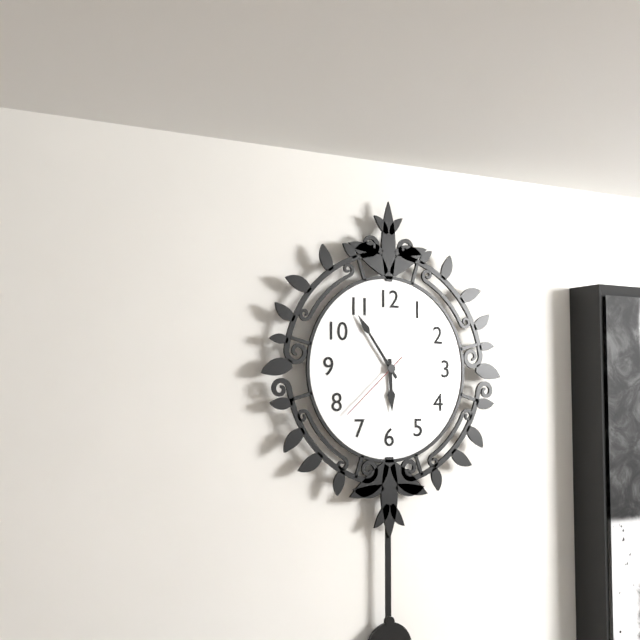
5:54:38
